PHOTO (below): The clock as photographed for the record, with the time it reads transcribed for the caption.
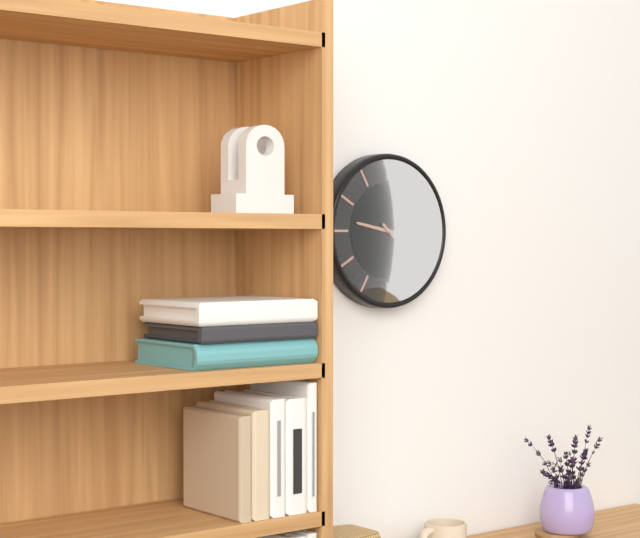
9:22
